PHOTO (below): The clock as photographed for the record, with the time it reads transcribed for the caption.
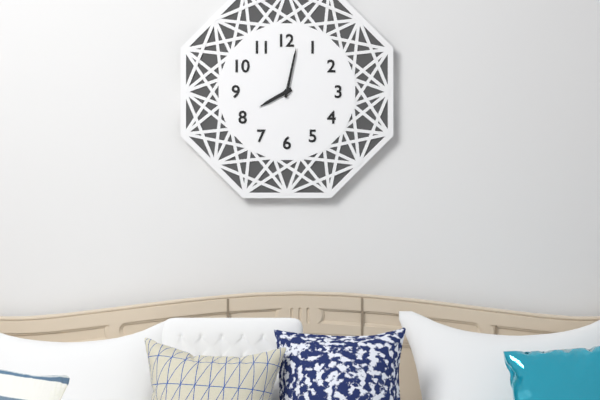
8:02
